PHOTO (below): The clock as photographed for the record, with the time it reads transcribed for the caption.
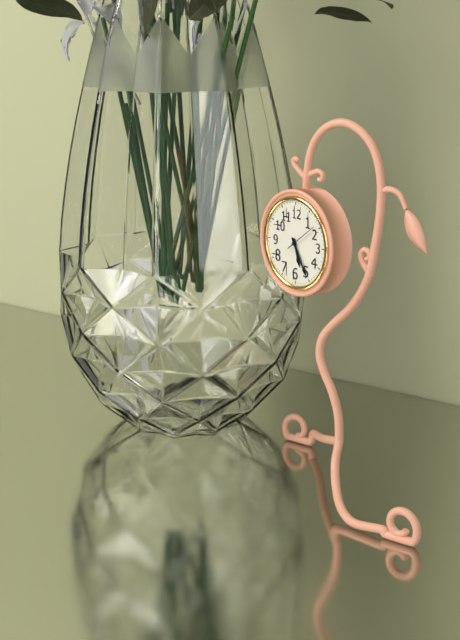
5:25
